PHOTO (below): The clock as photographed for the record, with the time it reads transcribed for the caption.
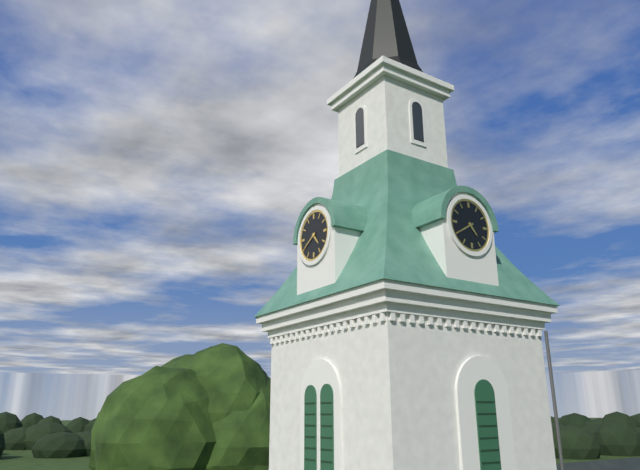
4:40
